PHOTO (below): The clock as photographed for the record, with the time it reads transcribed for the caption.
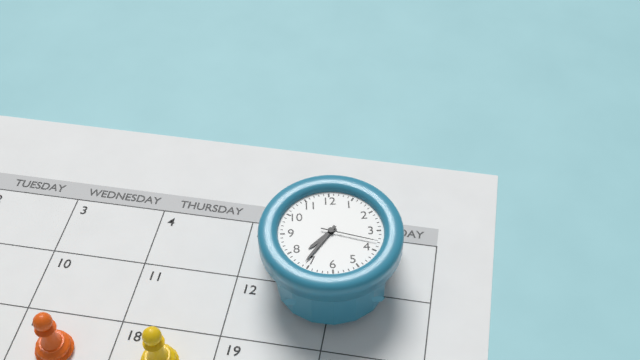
7:36:18
